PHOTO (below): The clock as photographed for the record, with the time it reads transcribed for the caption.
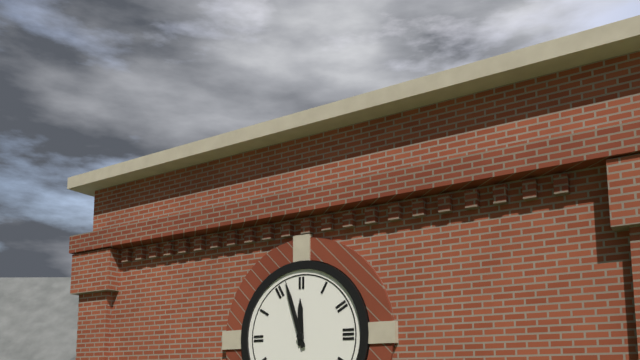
11:57
